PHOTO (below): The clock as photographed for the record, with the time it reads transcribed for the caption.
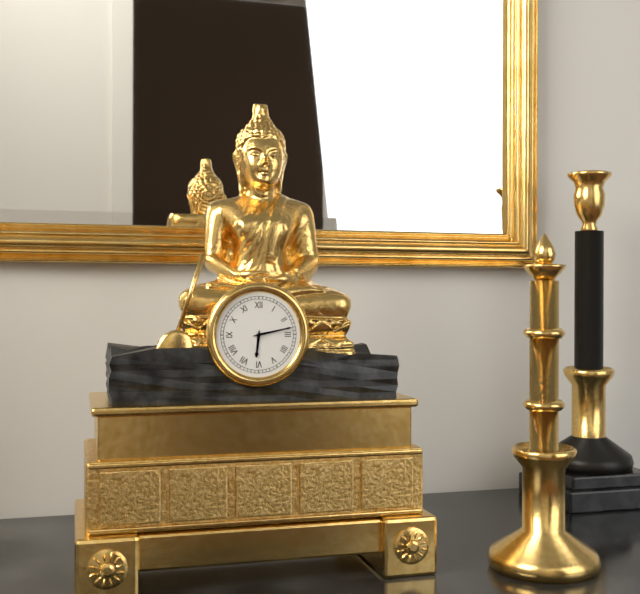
6:13
